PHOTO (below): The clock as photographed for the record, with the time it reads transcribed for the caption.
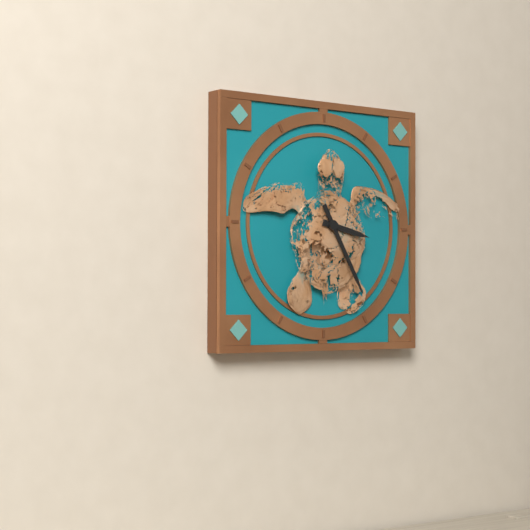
3:25
